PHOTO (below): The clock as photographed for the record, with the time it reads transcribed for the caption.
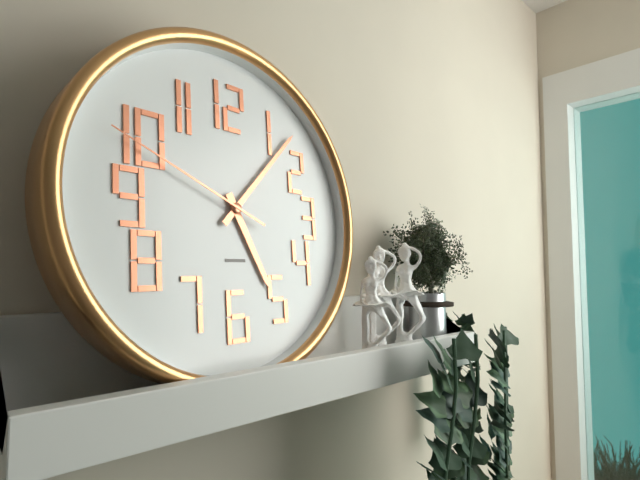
5:07:49
